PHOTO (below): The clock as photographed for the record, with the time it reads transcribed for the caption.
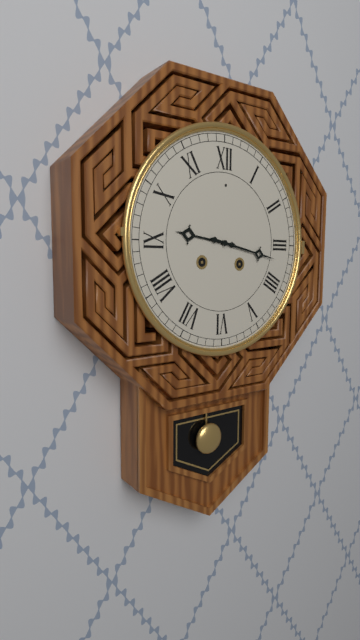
9:17
